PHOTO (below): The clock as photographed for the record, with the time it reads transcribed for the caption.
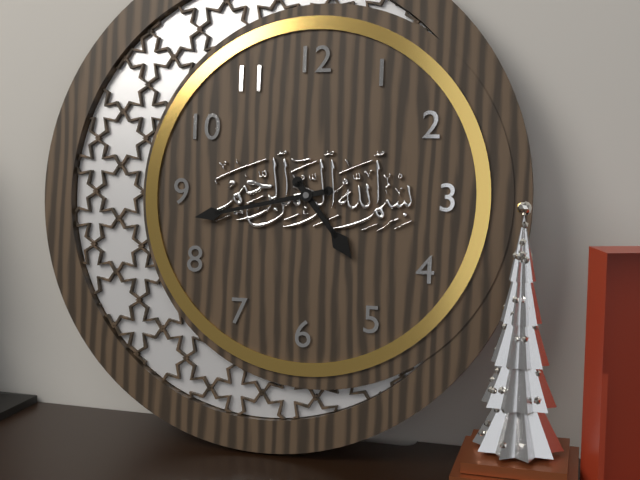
4:43
